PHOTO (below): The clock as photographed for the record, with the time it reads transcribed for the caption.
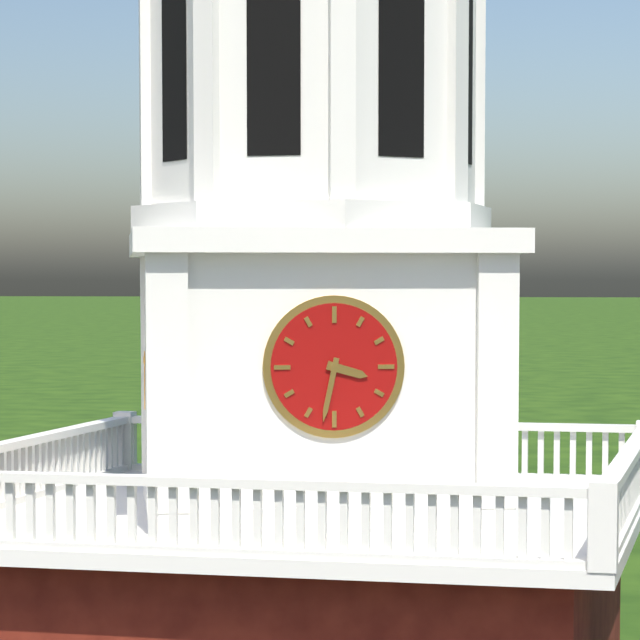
3:32
